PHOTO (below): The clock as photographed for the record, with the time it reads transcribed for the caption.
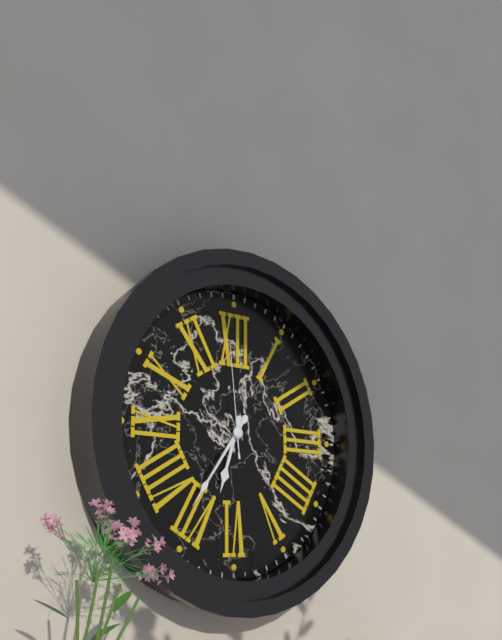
6:36:59
